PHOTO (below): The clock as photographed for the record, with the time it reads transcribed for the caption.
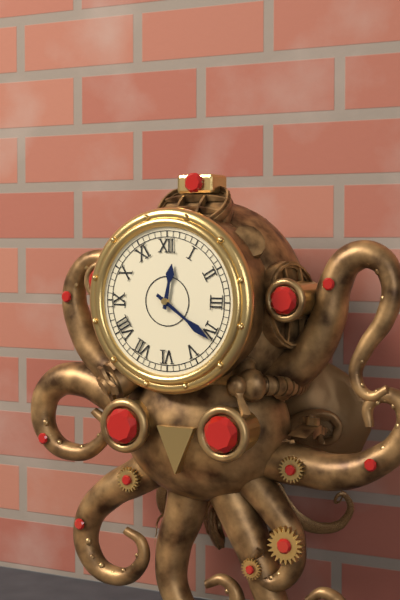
12:21
